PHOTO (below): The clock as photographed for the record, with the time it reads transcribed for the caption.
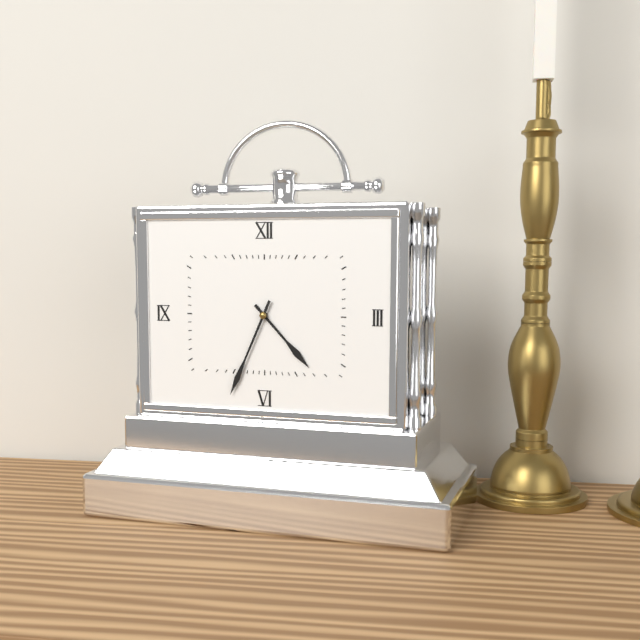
4:34
